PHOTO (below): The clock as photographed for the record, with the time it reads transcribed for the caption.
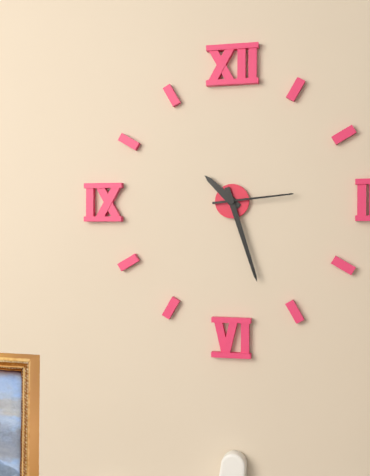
10:27:14
